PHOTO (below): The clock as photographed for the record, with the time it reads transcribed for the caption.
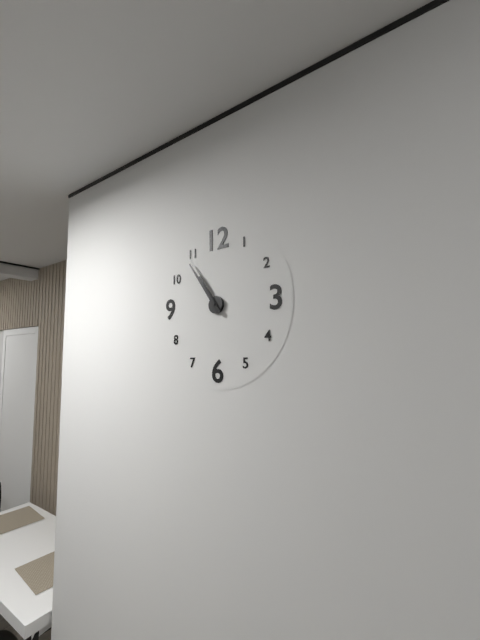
10:54
